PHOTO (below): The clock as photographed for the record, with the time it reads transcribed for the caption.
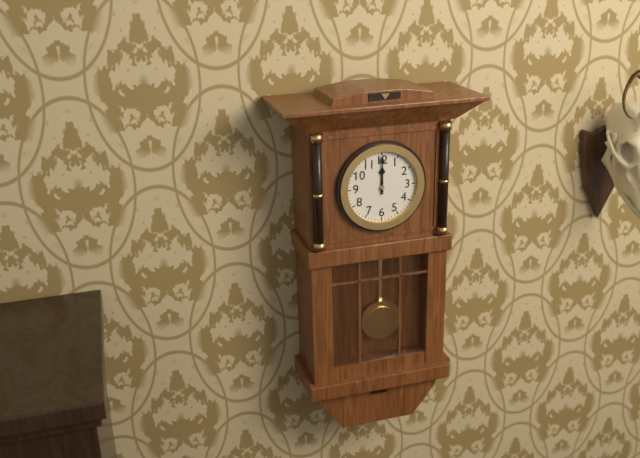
12:00
